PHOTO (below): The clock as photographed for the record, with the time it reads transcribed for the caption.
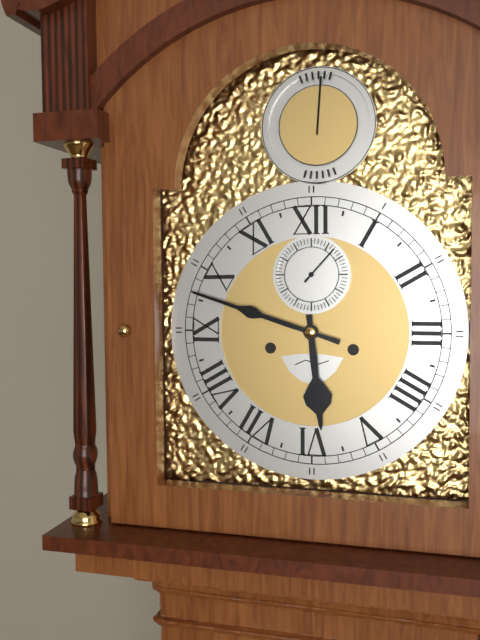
5:48
